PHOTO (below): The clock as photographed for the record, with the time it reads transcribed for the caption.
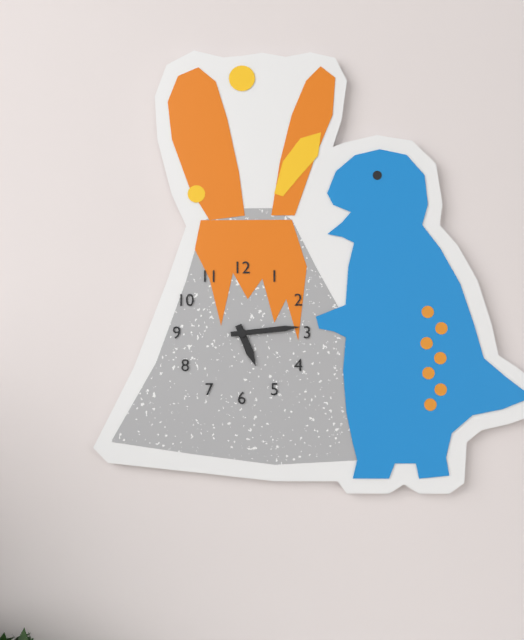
5:14
